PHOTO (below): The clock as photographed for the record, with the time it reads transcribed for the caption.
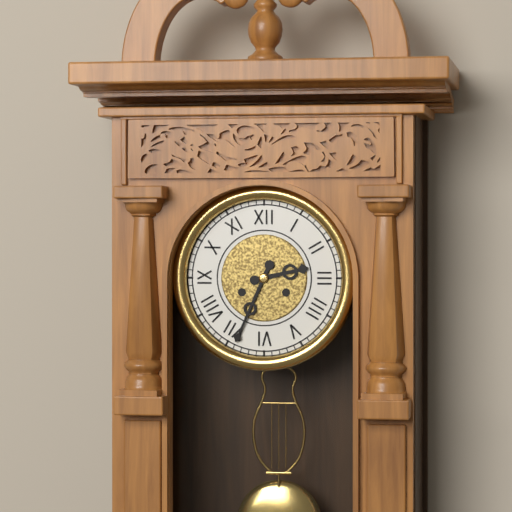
2:34
